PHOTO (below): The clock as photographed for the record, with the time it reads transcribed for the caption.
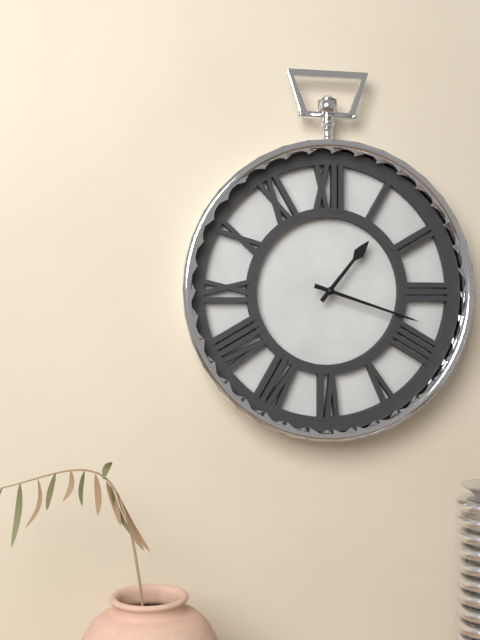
1:18
